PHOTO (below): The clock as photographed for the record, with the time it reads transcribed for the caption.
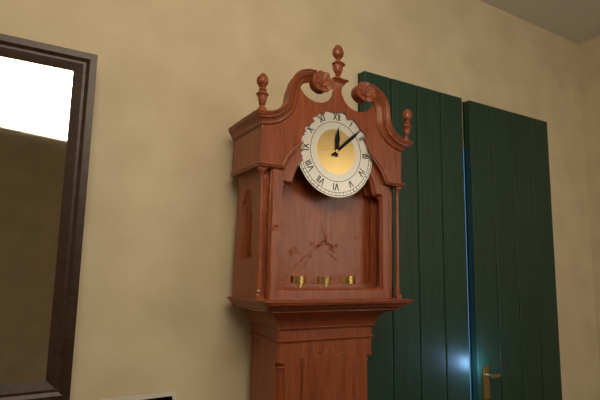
12:08
